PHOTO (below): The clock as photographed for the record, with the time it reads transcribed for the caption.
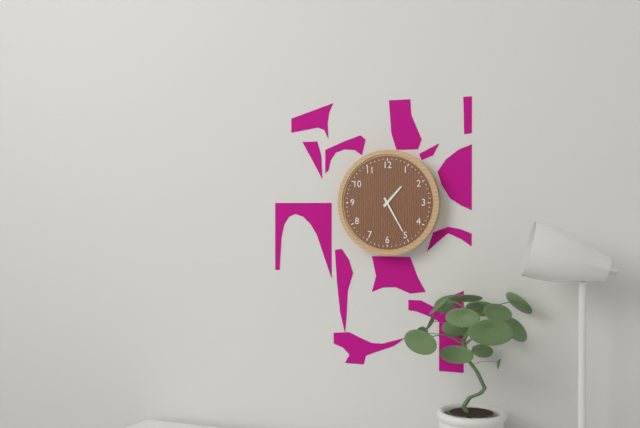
1:25
